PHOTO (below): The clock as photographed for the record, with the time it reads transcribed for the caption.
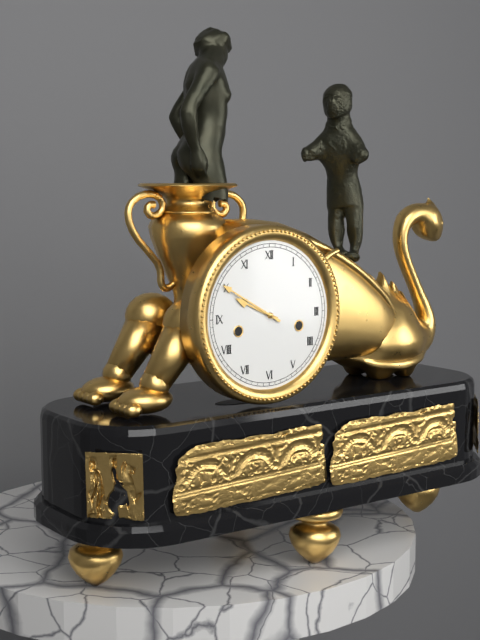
9:50
